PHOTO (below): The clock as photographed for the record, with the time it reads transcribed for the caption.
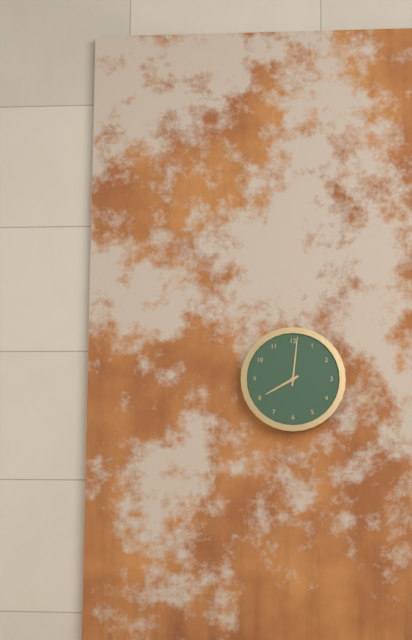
8:01
